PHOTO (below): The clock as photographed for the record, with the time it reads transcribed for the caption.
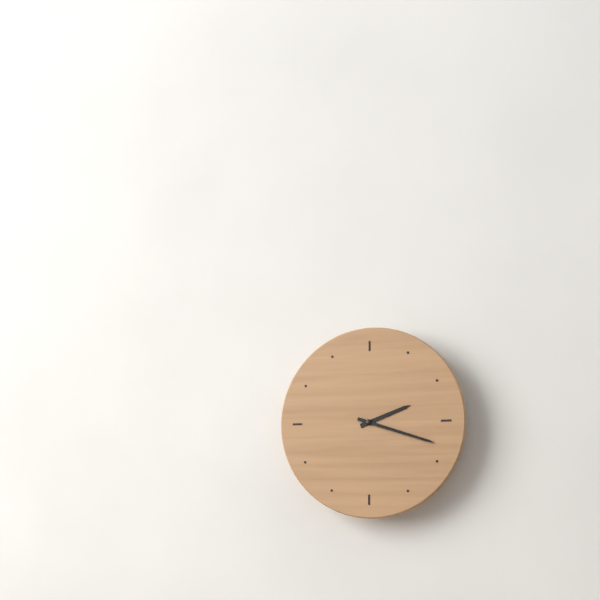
2:18
